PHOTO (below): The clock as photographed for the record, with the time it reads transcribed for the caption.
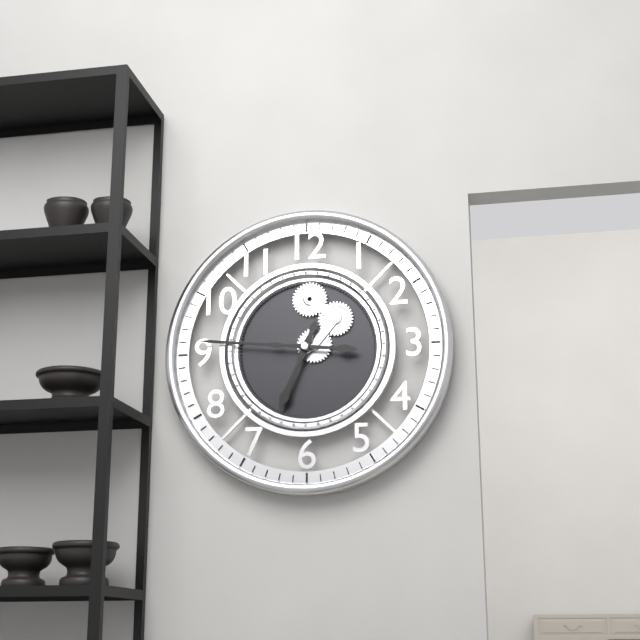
6:46
